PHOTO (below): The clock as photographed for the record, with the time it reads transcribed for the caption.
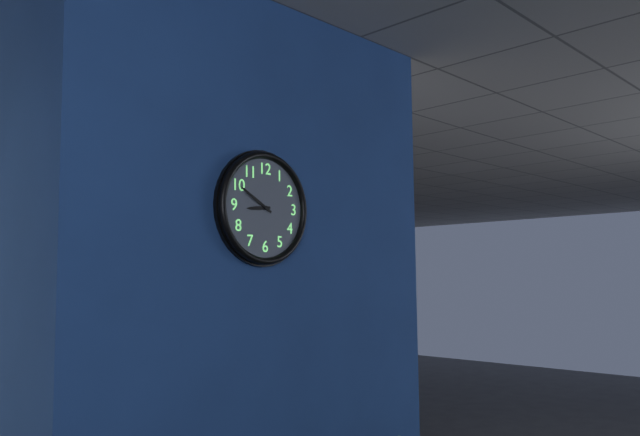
8:50
